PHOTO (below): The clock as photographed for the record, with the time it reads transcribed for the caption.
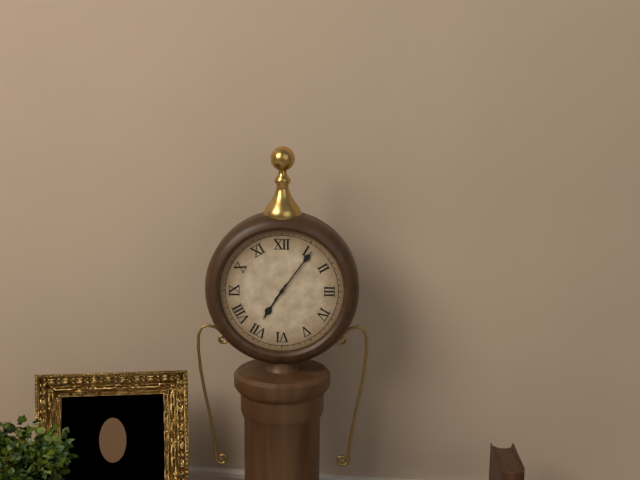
7:06
